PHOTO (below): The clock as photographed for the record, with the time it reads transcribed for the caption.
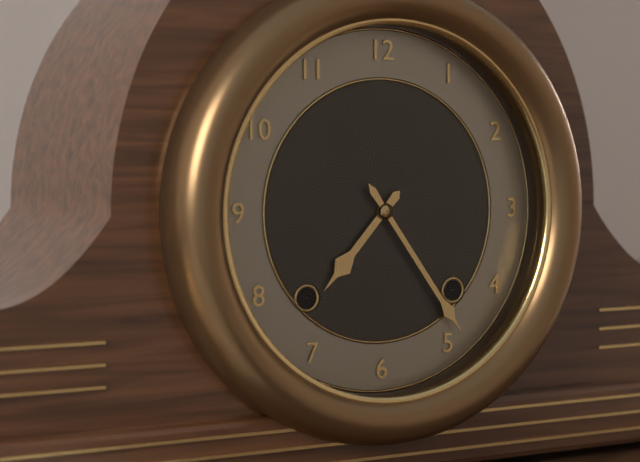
7:24
